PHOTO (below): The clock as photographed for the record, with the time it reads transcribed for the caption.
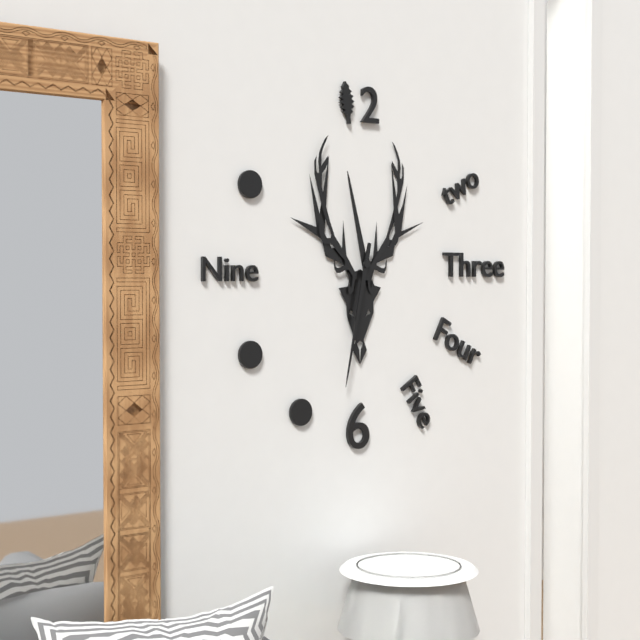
11:32
